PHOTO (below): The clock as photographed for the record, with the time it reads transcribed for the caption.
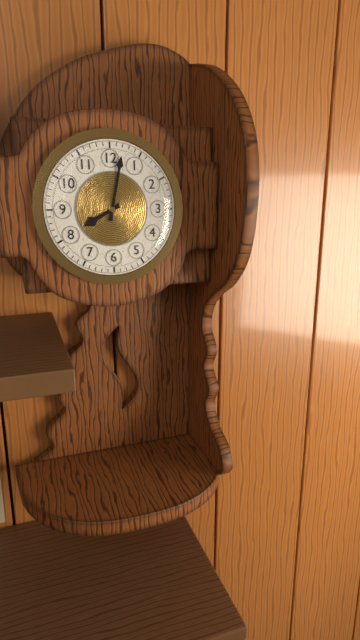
8:02
